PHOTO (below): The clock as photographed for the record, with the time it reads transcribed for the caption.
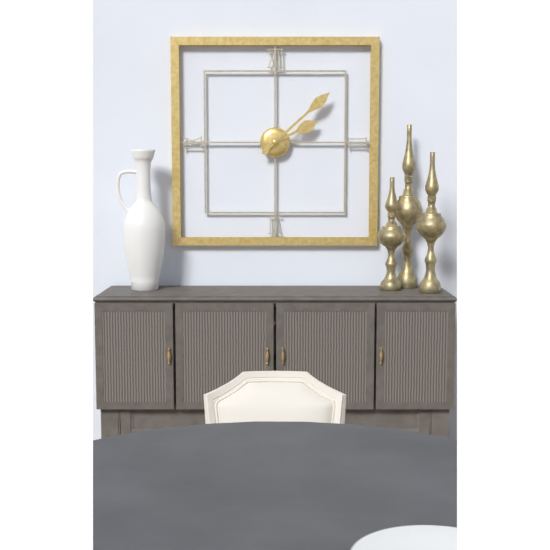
2:08
